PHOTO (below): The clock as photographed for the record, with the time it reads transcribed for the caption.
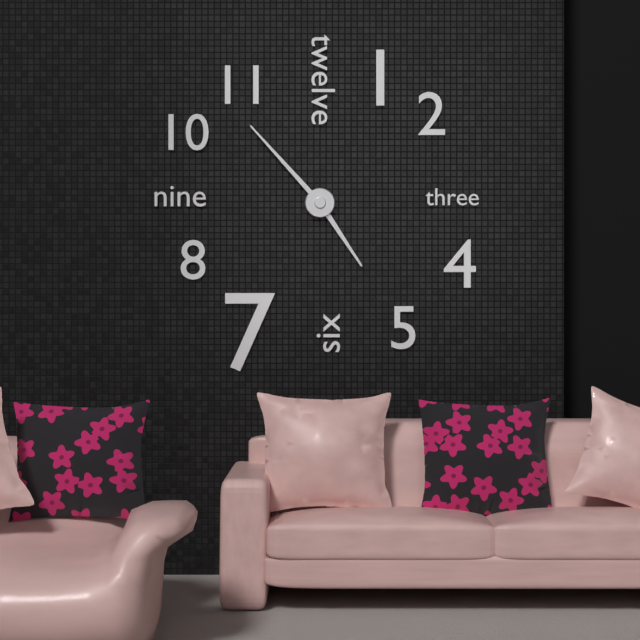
4:53
